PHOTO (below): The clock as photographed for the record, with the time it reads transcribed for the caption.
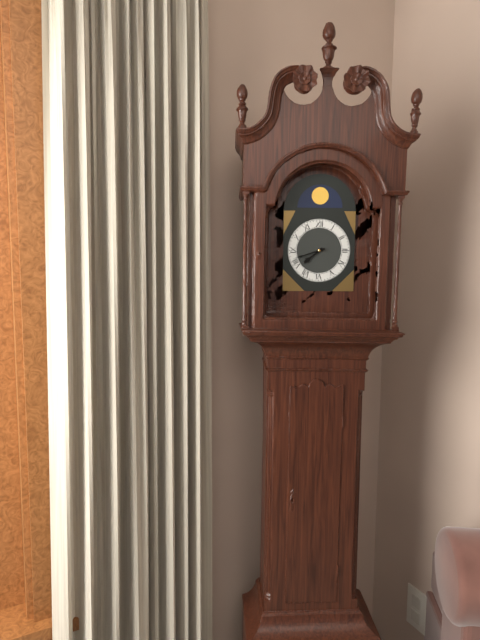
7:42
